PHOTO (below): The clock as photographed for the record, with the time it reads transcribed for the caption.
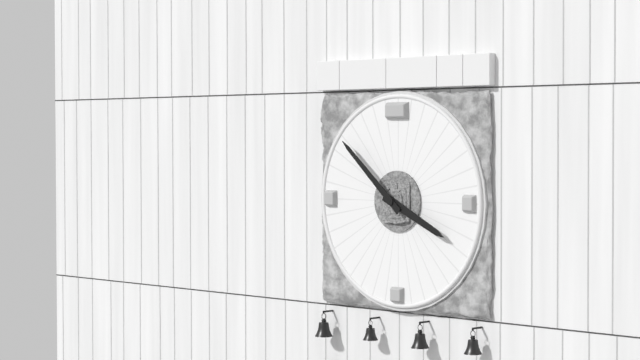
3:52
